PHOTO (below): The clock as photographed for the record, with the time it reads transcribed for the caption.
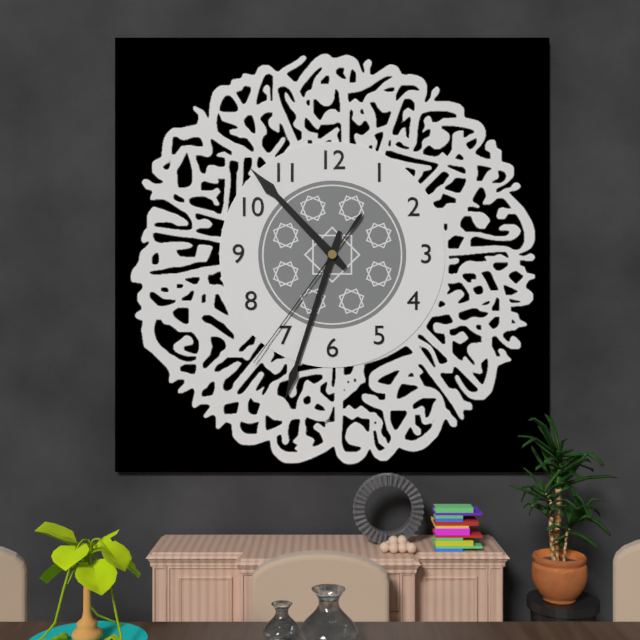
10:33:36
